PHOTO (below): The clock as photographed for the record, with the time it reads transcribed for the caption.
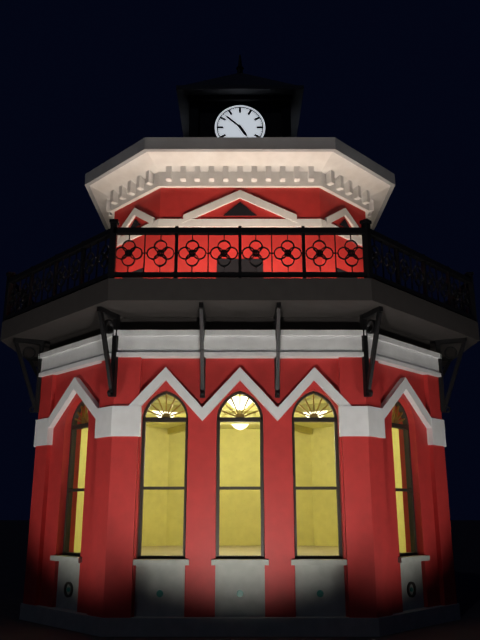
4:52
